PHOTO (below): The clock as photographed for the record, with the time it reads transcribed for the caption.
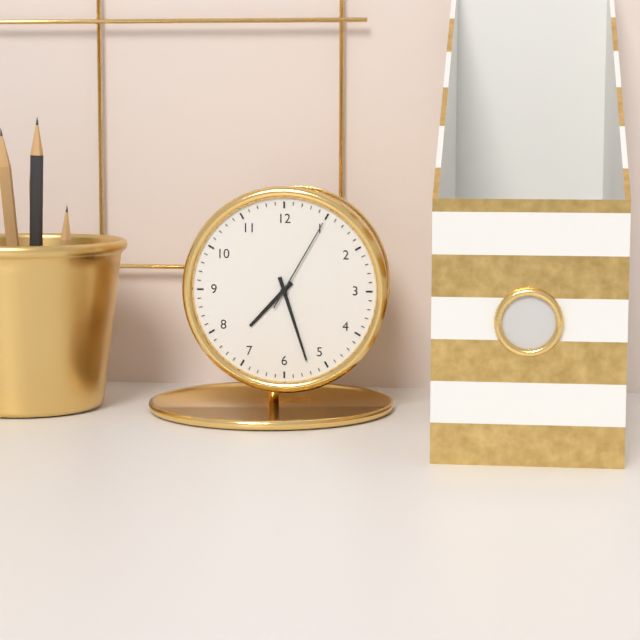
7:27:05
